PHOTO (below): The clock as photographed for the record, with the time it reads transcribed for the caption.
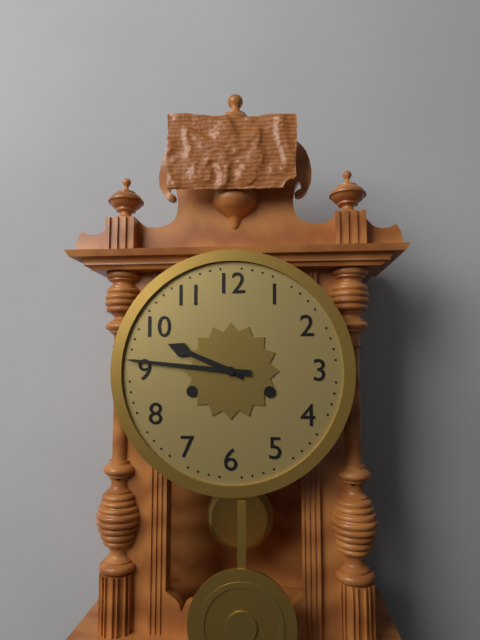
9:46
